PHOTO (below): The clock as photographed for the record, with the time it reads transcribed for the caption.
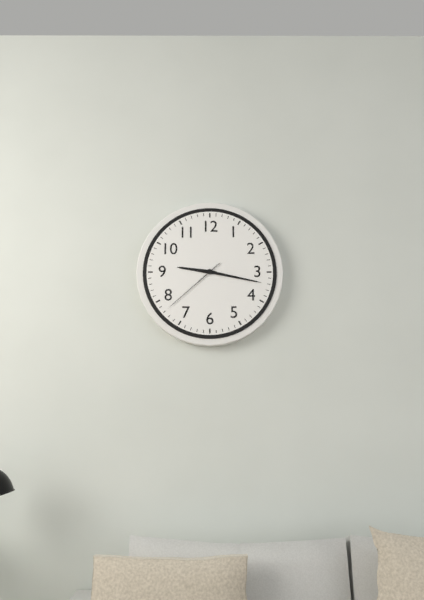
9:17:38
